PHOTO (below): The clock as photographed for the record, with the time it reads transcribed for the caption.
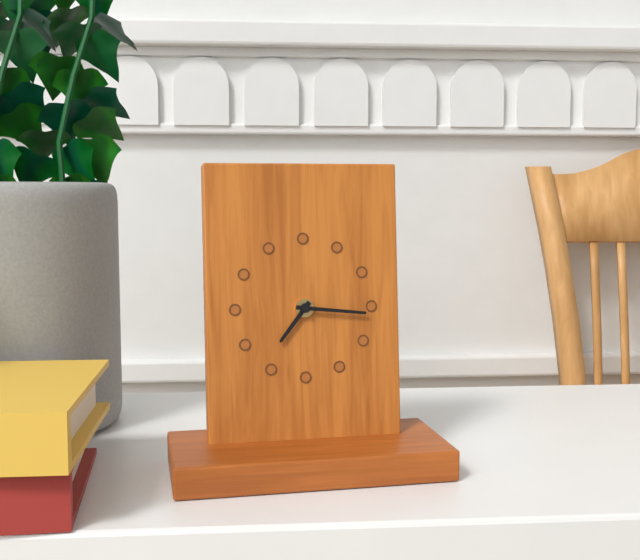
7:16
